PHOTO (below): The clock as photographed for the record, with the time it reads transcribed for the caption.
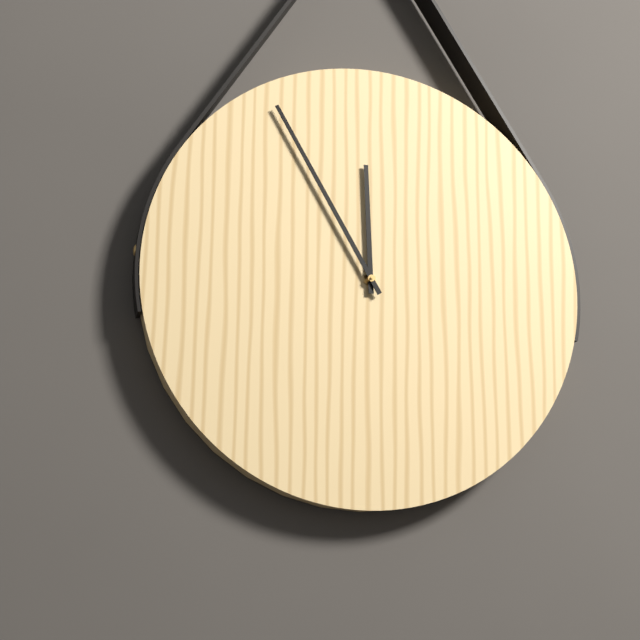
11:55
